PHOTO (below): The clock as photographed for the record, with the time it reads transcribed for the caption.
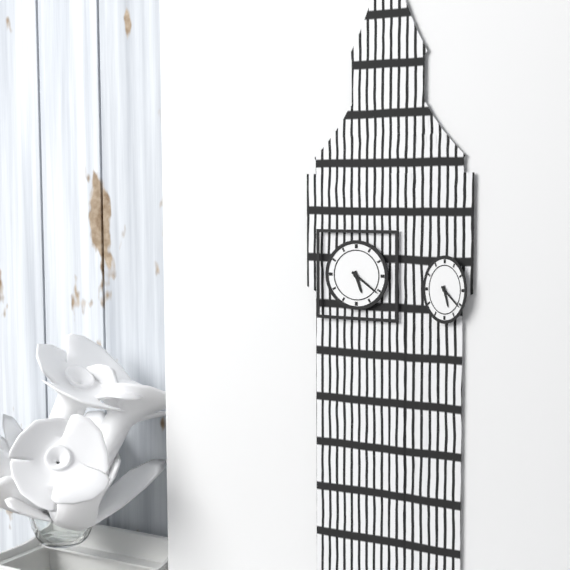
5:21
